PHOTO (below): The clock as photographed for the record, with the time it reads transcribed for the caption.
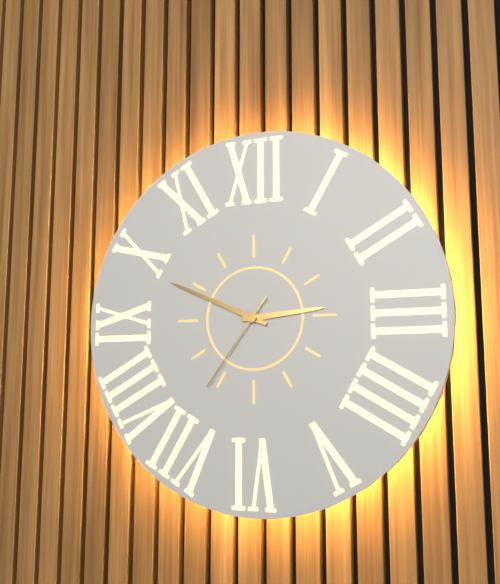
2:49:36
